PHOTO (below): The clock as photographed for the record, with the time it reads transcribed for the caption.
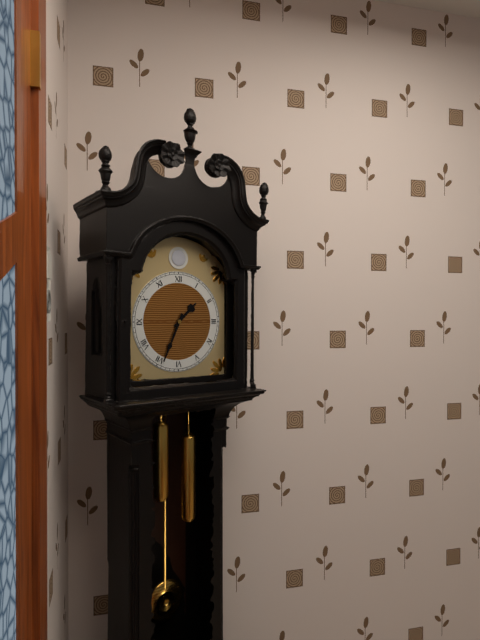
1:34
